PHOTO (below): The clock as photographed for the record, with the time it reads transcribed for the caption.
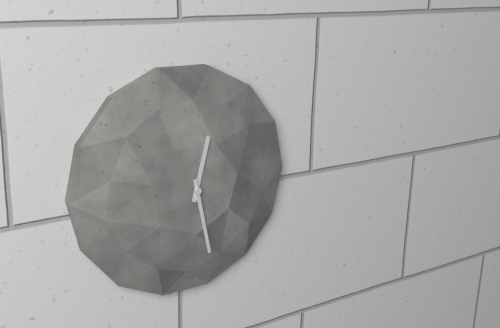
12:28
